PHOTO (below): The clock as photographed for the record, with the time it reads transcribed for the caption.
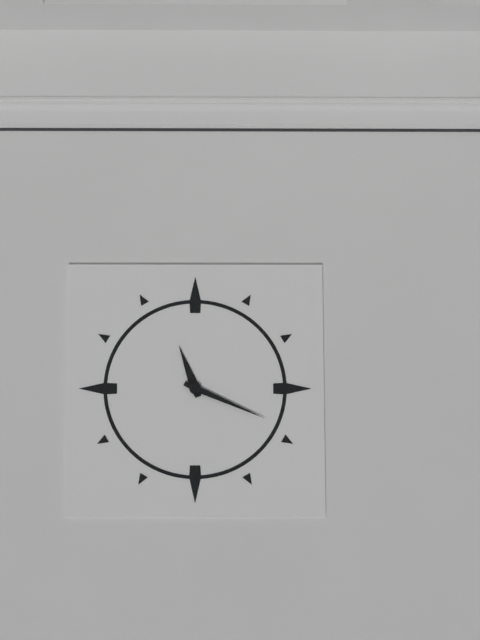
11:19
